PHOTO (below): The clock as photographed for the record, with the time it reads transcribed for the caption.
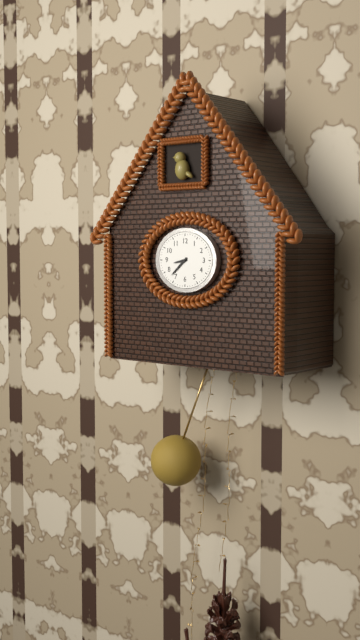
8:38
